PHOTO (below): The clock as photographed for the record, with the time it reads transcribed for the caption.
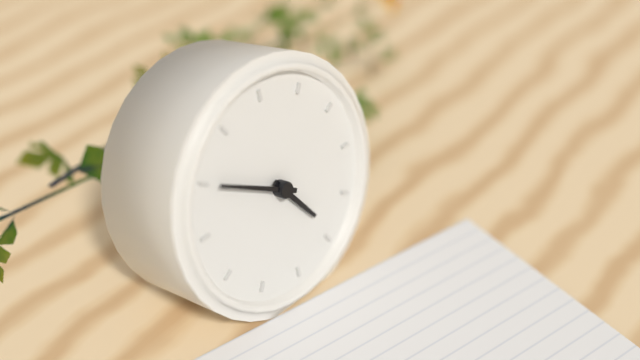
4:50
